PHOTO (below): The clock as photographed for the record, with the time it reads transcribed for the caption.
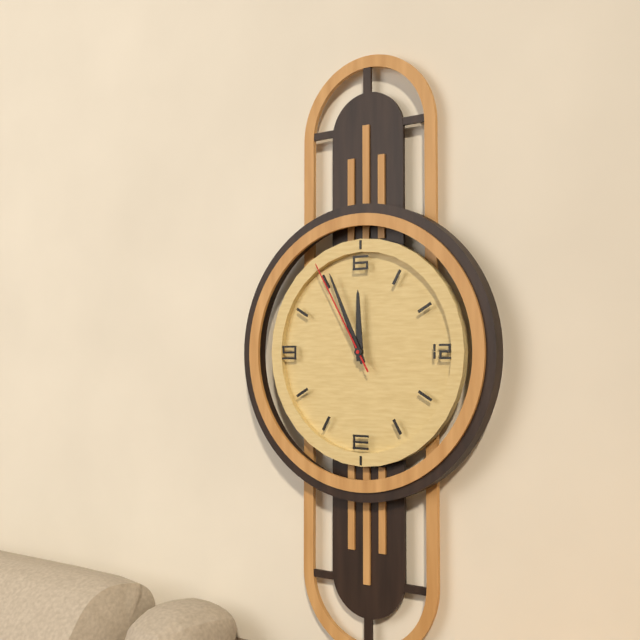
11:56:55
